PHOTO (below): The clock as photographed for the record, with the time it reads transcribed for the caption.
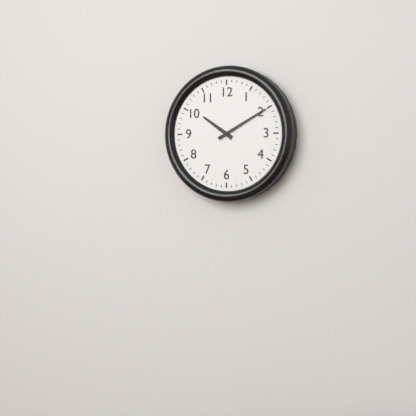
10:10
